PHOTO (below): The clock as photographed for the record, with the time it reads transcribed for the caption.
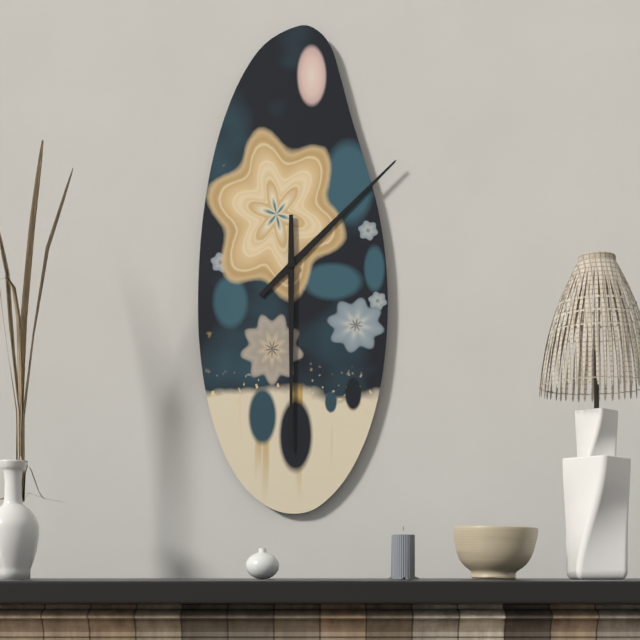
1:30
